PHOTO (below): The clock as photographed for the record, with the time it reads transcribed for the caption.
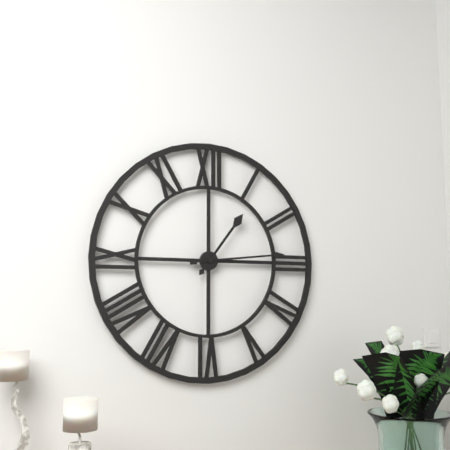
1:14
